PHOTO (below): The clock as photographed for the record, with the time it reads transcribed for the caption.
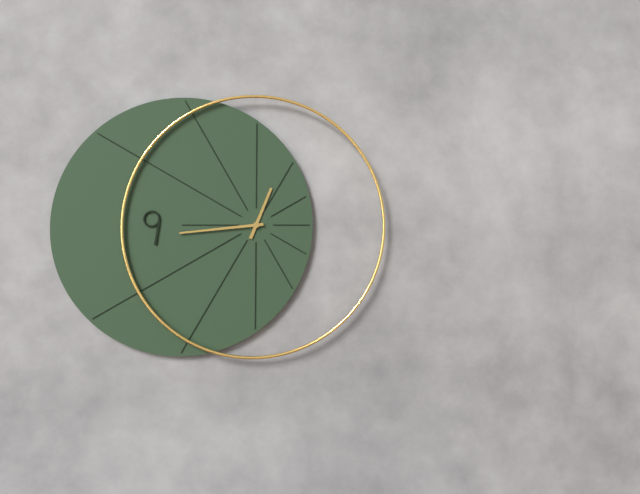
12:44
